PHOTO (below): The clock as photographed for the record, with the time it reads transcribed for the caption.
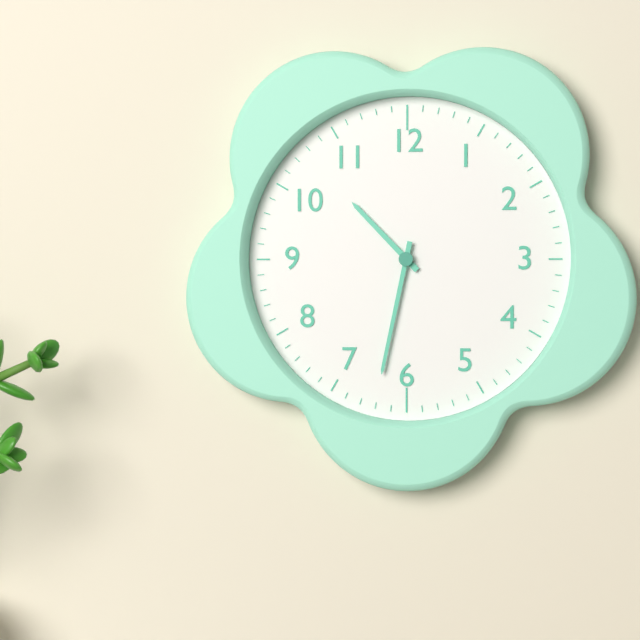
10:32
